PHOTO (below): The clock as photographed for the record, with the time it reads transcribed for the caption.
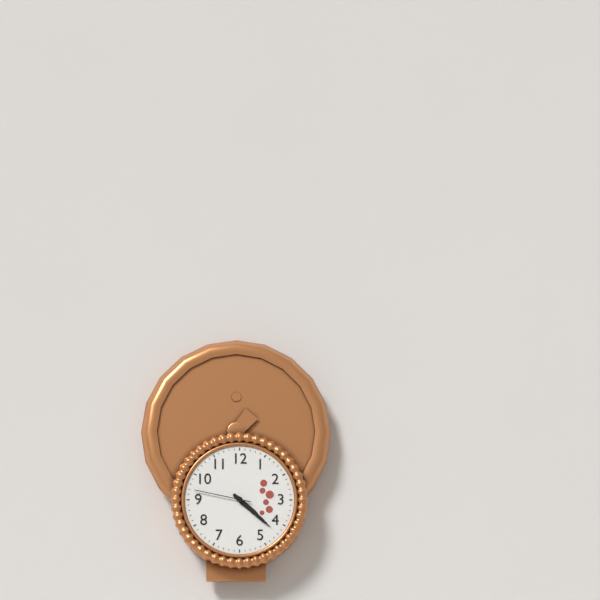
4:22:47
